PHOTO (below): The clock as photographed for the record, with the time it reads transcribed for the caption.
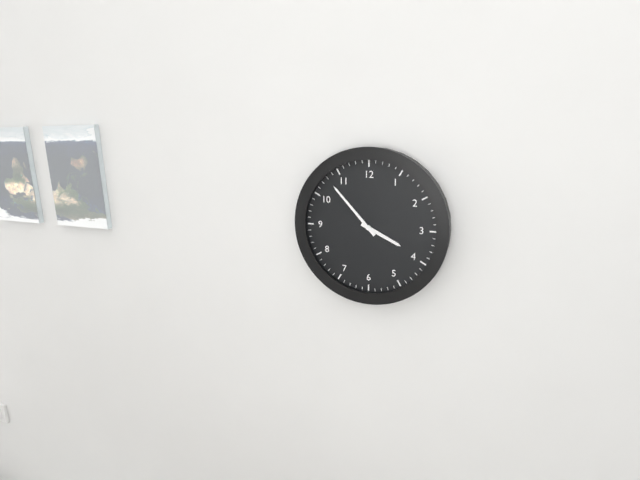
3:53
